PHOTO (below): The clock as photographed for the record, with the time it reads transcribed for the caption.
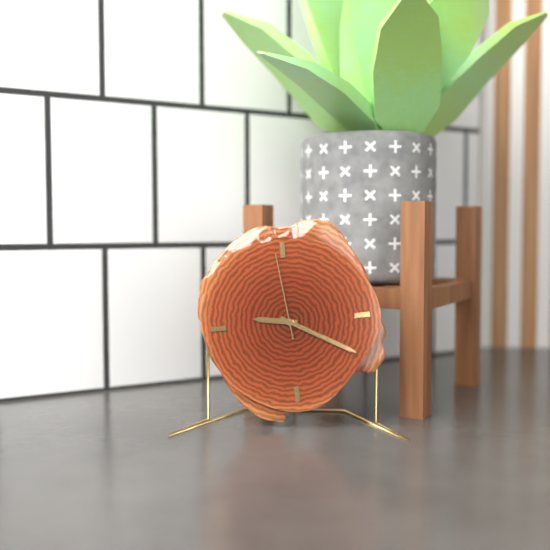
9:20:59
